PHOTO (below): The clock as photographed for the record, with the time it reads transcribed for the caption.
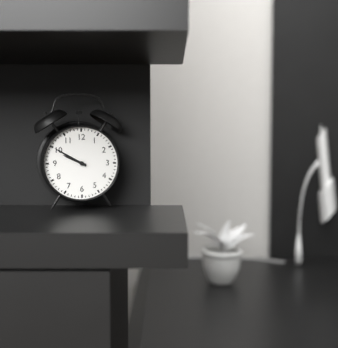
9:50
